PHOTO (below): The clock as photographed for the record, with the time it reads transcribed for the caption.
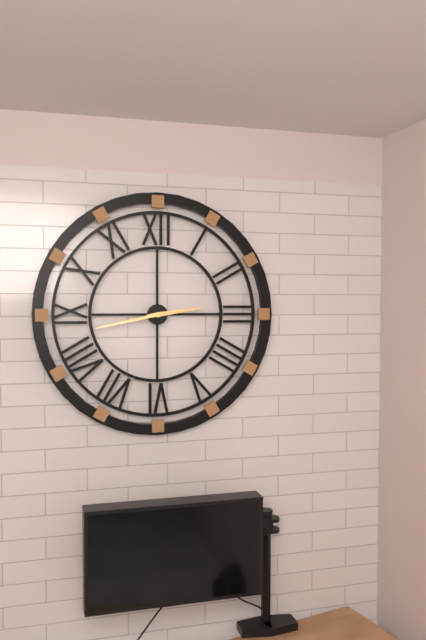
2:43
